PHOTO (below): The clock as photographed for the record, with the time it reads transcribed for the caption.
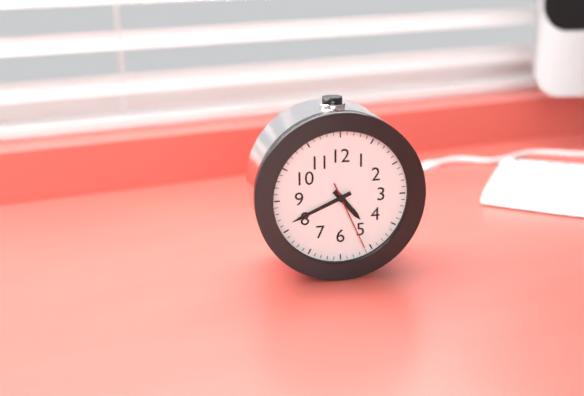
4:41:26
